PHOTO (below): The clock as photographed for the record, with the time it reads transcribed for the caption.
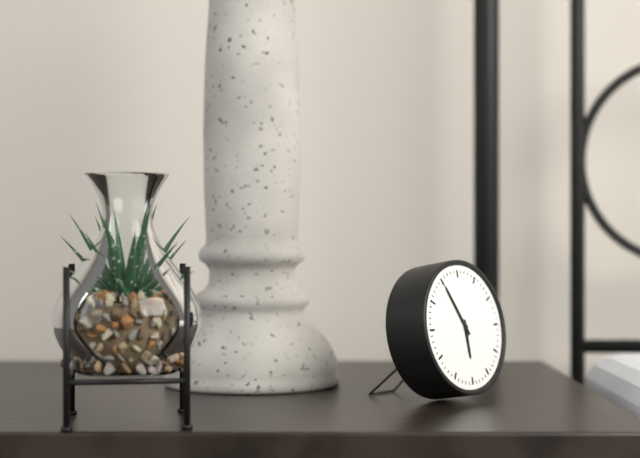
5:55
